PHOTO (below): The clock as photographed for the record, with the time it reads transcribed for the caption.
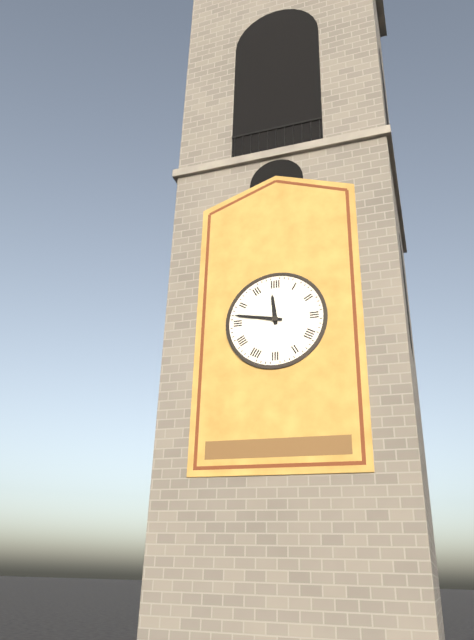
11:47
